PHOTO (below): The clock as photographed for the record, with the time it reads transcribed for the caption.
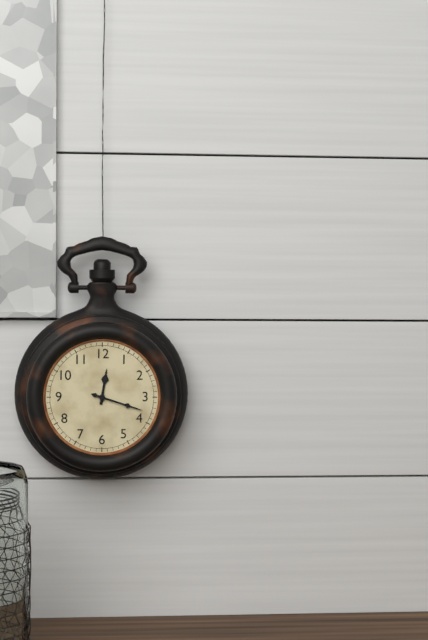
12:18
